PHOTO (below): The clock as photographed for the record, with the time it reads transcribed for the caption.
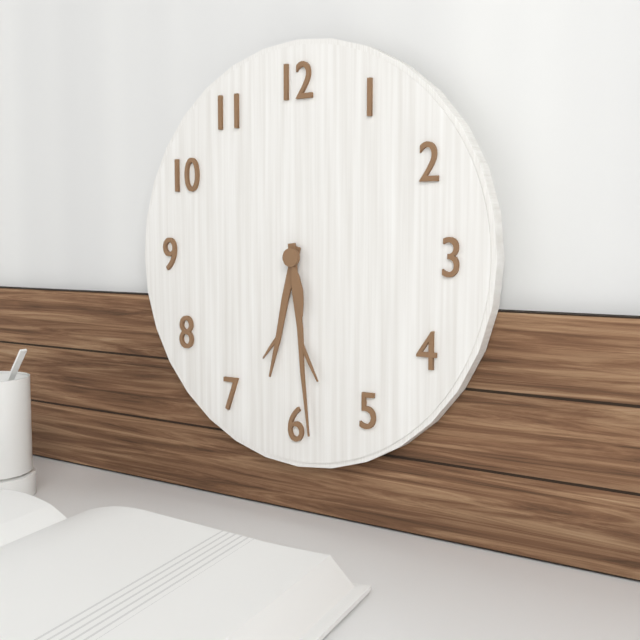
6:29:28
